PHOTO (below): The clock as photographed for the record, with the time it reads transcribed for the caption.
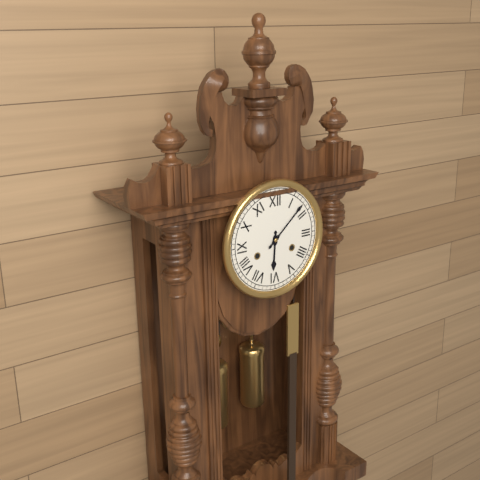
6:08
